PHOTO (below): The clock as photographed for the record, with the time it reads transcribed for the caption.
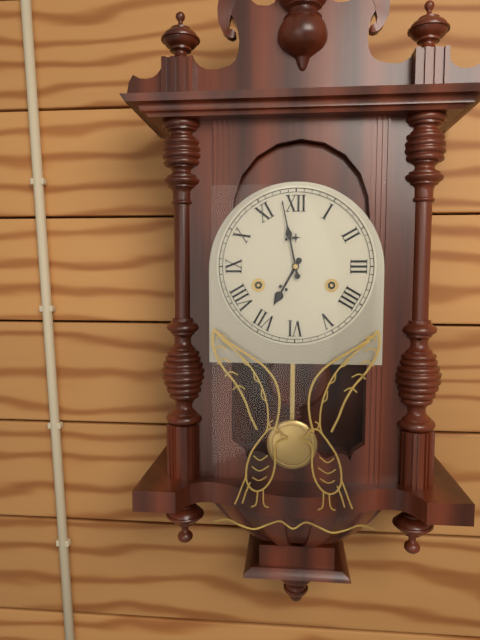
6:58
